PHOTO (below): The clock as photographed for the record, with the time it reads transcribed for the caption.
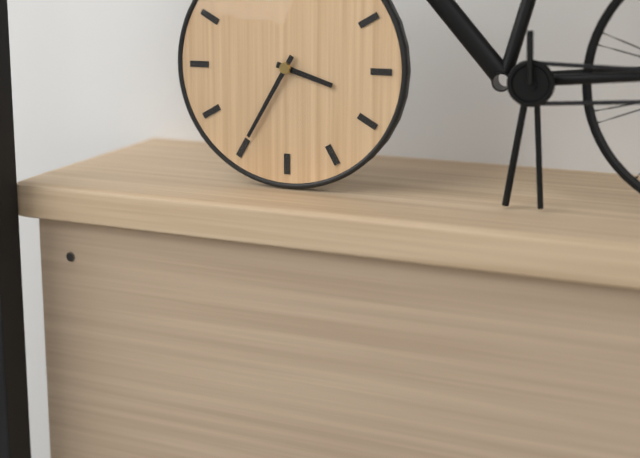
3:35
